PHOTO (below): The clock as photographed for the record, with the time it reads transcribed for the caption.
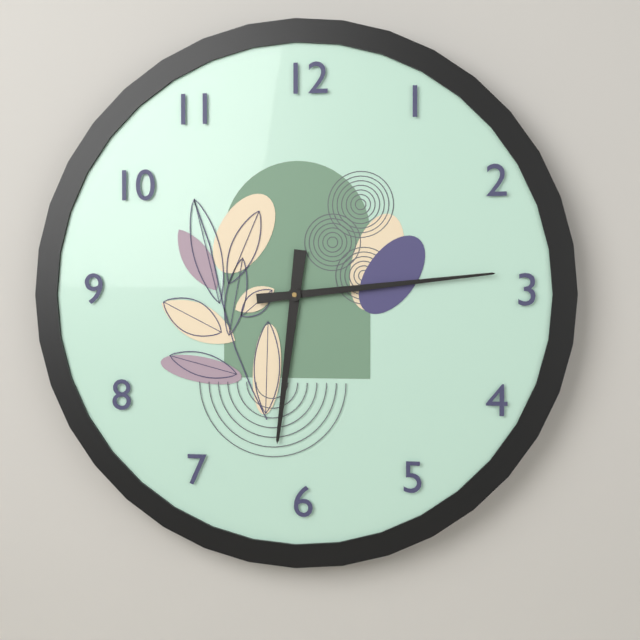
6:14
